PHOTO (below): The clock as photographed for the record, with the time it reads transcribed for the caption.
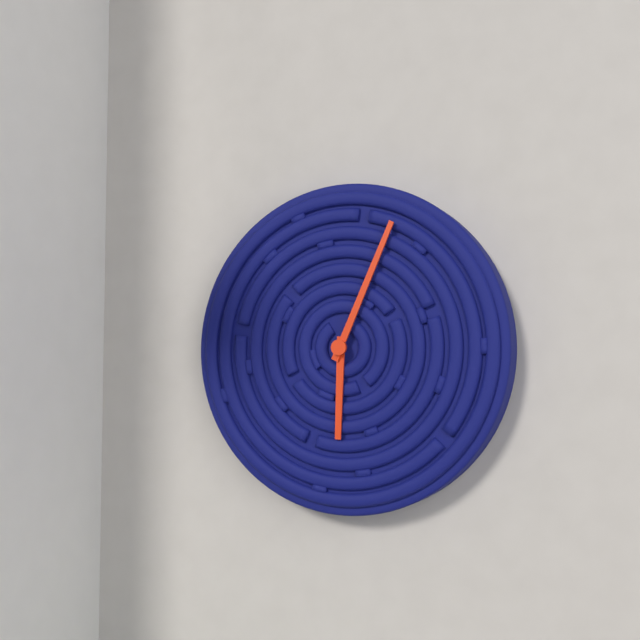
6:04
